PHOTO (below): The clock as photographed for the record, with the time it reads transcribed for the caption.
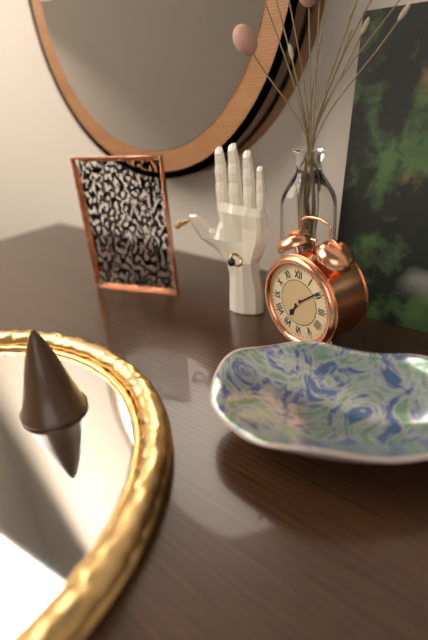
7:09
